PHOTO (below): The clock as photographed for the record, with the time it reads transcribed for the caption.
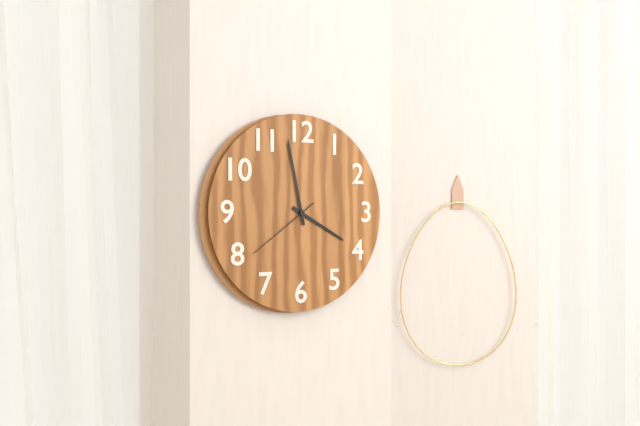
3:58:39
